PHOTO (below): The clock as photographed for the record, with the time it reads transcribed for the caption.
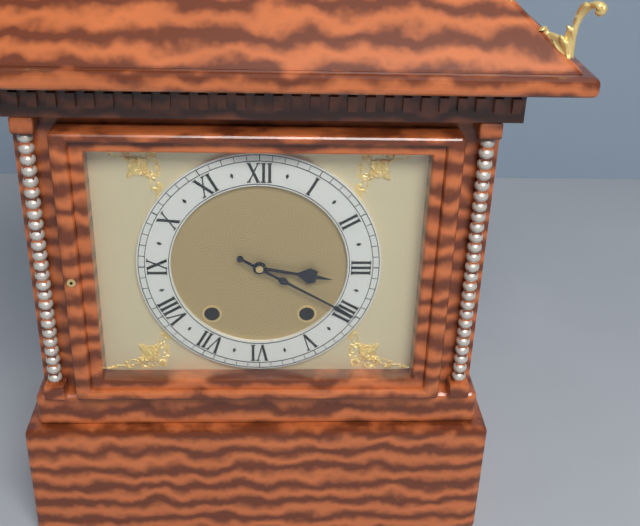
3:20
